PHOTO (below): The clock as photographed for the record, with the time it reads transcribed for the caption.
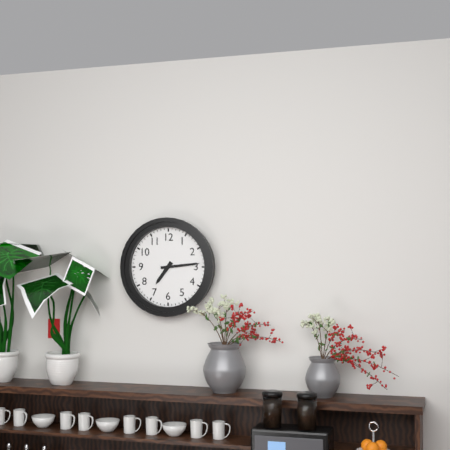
7:14
